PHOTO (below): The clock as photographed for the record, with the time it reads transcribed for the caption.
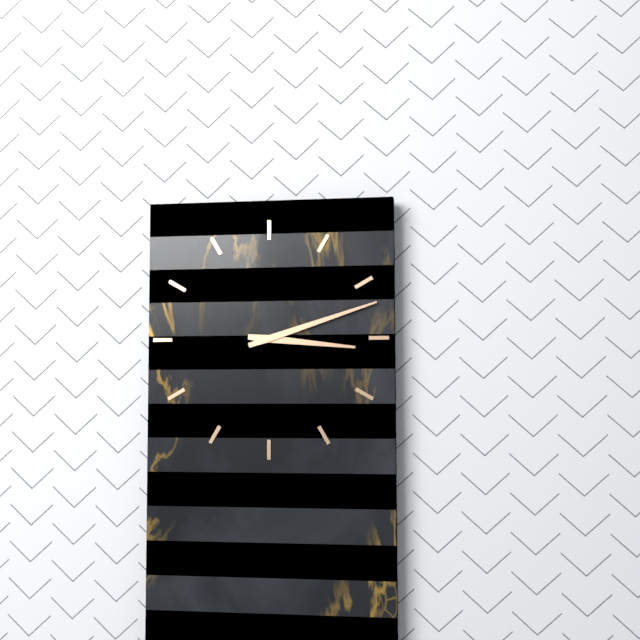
3:12
